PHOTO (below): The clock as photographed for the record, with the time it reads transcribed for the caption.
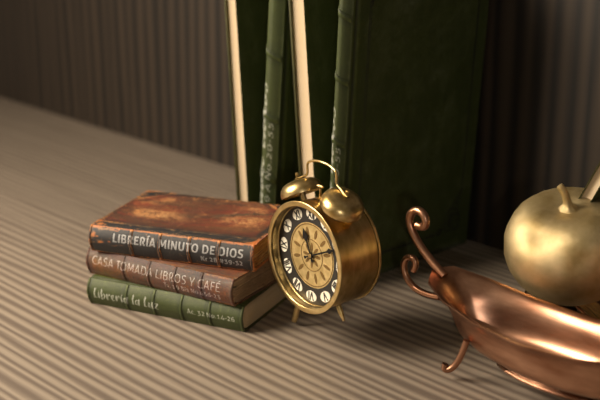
11:11
